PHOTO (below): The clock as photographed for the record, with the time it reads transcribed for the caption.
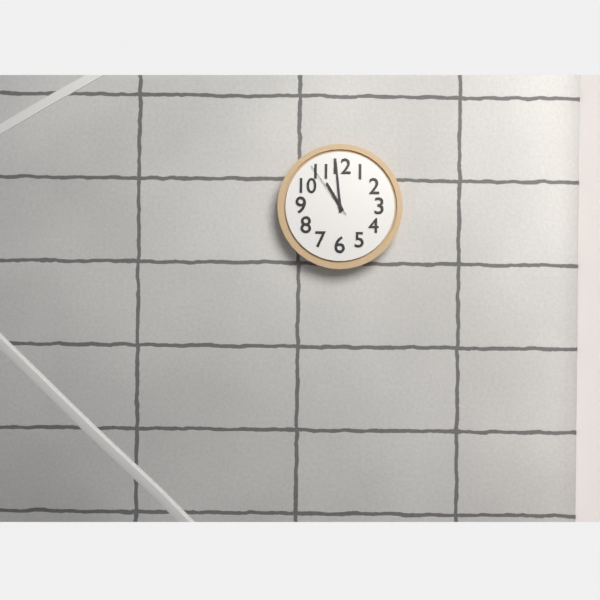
10:59:54
